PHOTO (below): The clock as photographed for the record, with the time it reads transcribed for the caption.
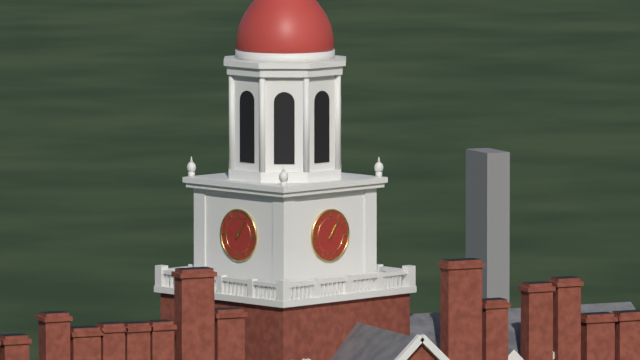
1:06
